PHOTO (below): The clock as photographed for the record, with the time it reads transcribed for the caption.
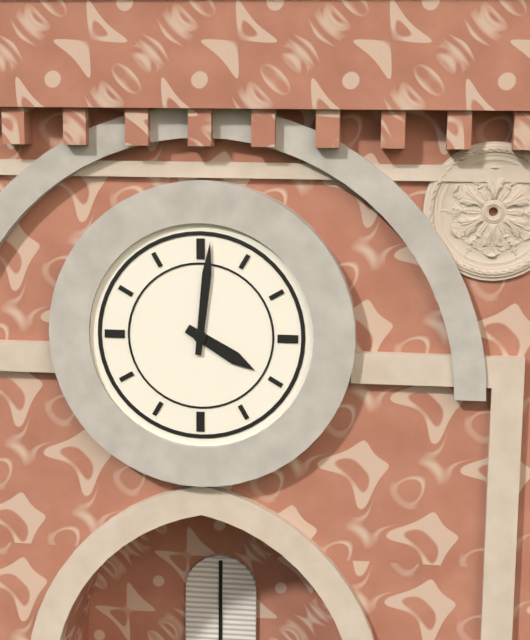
4:01
